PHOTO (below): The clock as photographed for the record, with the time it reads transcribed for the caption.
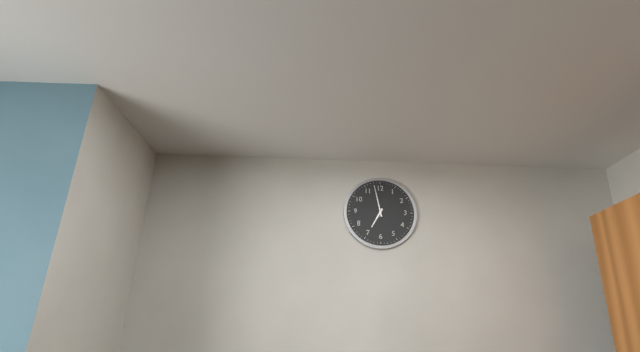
6:58
